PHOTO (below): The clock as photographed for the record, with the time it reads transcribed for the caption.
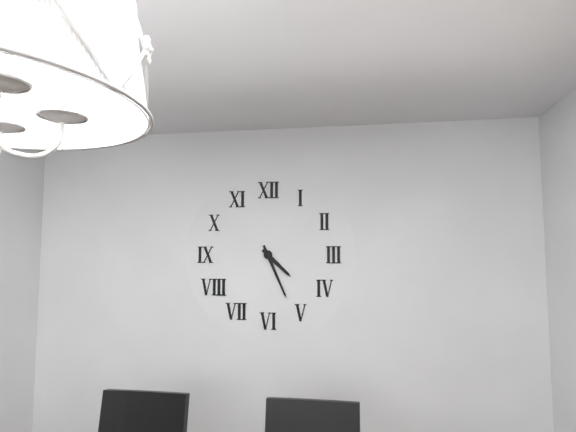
4:26
